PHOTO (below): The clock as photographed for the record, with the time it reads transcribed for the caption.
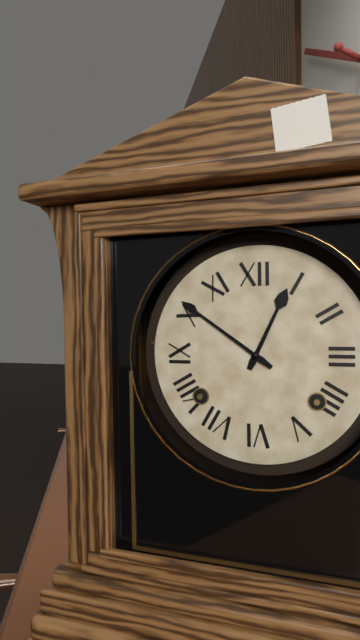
12:51
